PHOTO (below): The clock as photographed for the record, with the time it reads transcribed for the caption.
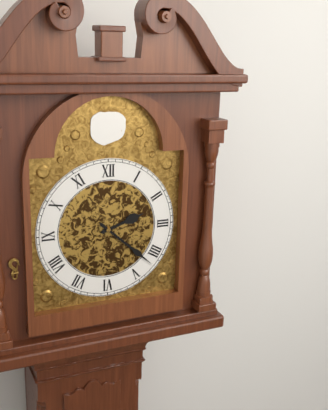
2:22
